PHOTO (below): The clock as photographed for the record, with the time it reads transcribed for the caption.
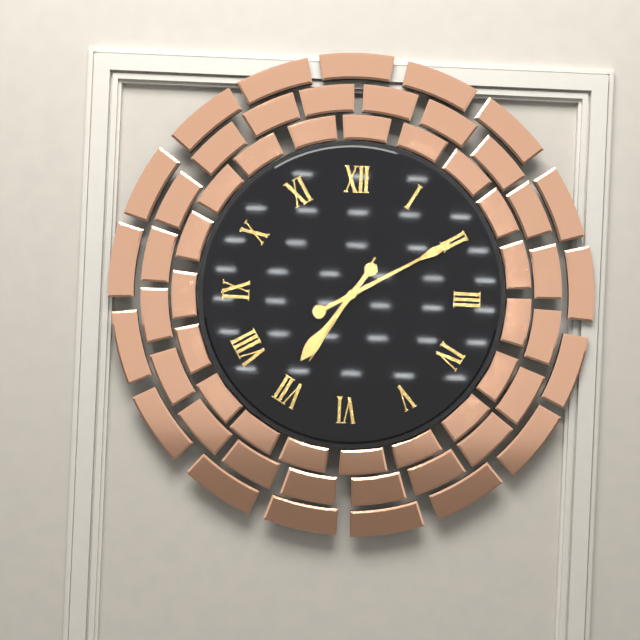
7:10:35
